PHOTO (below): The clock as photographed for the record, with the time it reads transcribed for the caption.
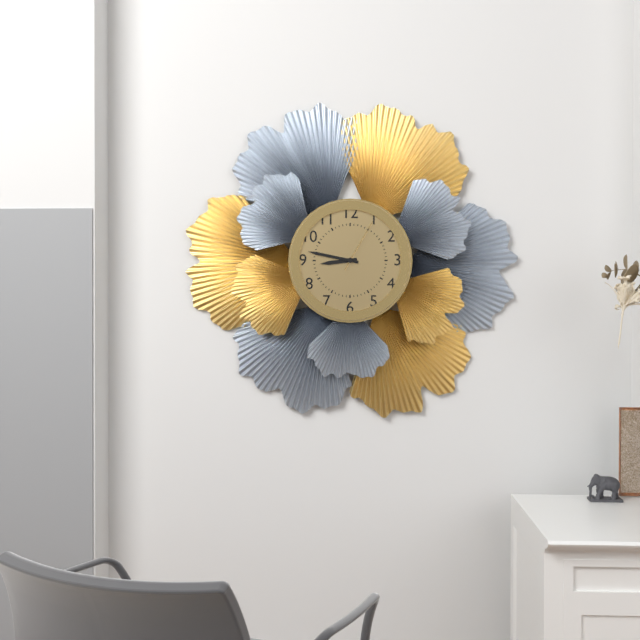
8:47:05
